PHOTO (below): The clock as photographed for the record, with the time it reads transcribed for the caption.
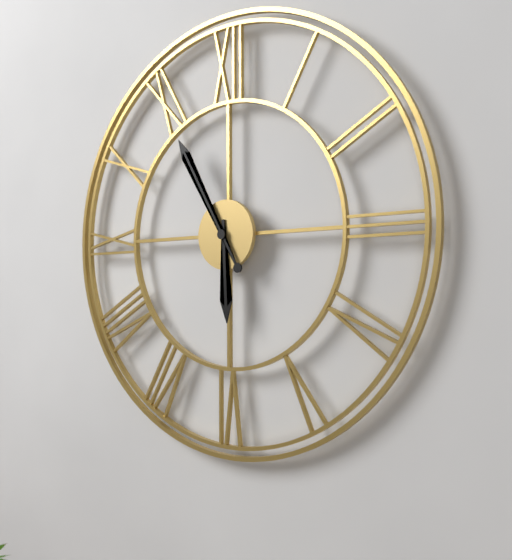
5:55
